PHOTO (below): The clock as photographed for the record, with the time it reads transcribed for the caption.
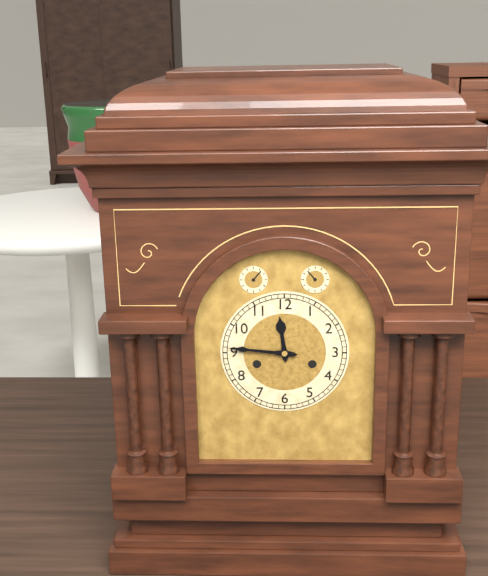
11:46
